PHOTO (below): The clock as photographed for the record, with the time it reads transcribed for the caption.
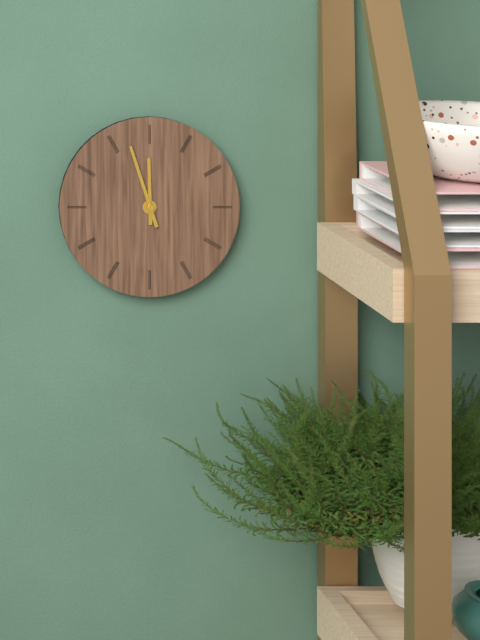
11:57
